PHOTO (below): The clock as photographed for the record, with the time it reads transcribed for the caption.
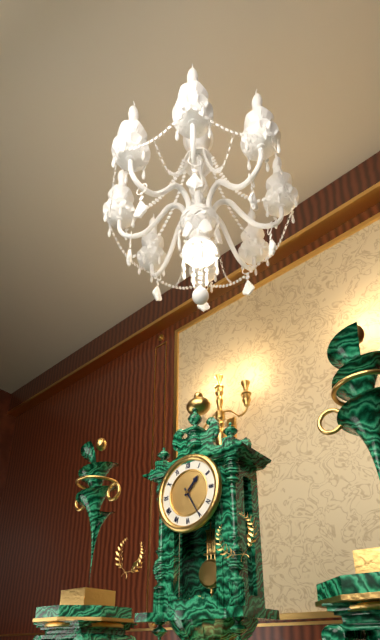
1:25
